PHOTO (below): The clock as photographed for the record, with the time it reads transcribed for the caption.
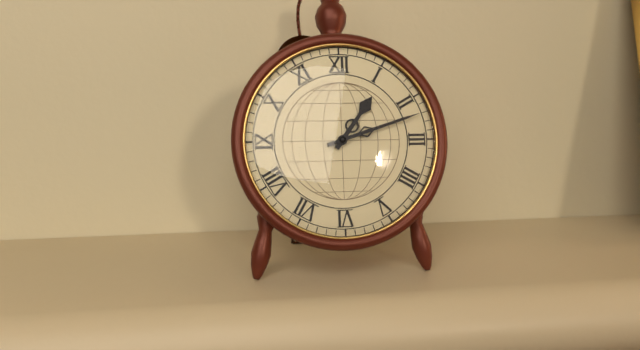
1:12
